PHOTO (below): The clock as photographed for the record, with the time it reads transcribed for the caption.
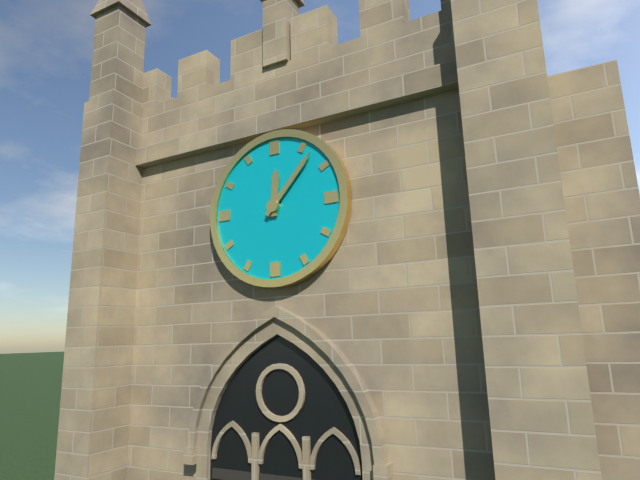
12:07
